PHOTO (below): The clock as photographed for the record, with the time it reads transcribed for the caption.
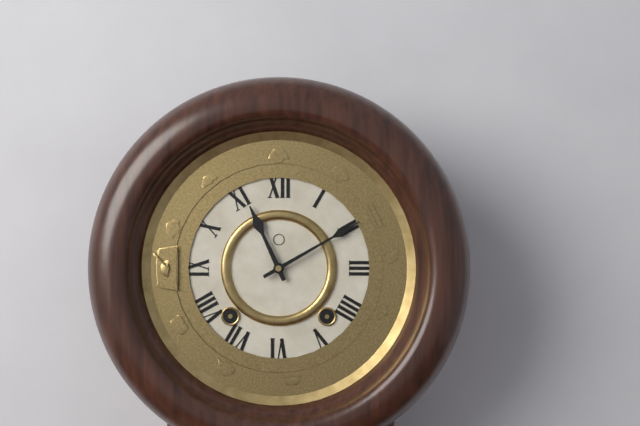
11:10
